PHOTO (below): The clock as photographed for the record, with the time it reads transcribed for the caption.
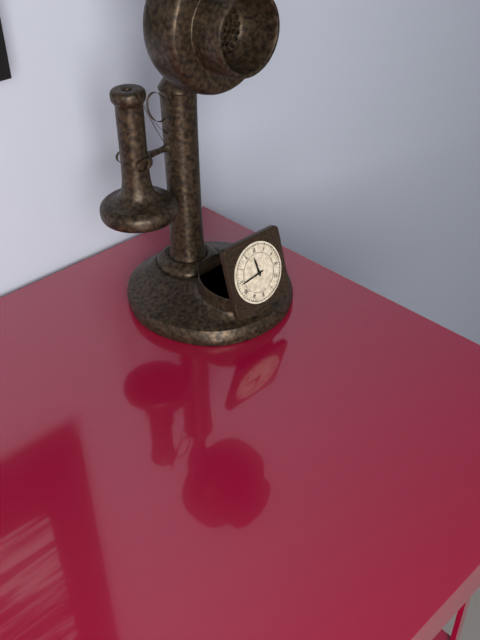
11:44
